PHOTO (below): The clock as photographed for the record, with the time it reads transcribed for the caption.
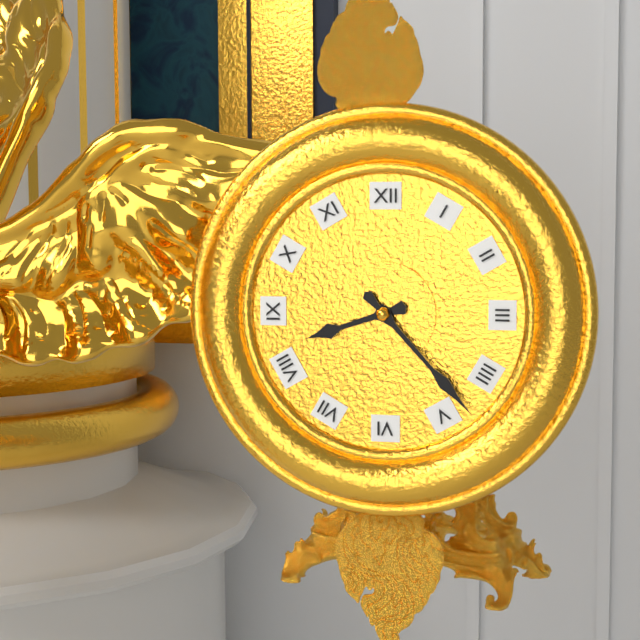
8:23
